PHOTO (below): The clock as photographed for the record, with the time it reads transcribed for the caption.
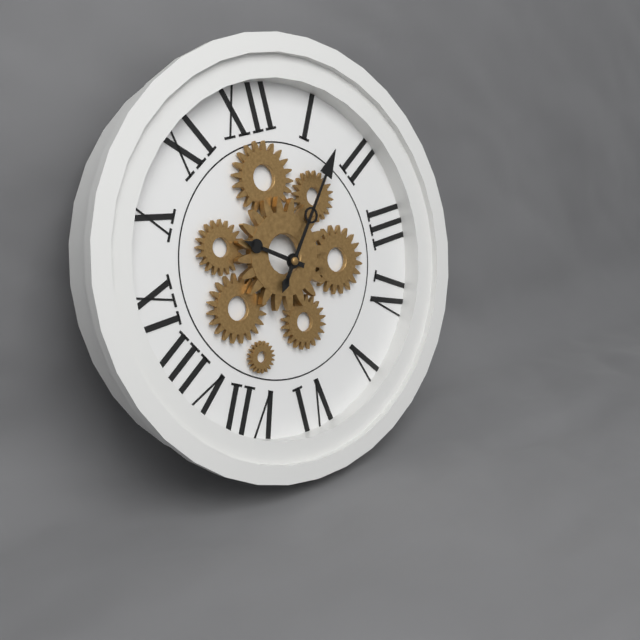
10:07
